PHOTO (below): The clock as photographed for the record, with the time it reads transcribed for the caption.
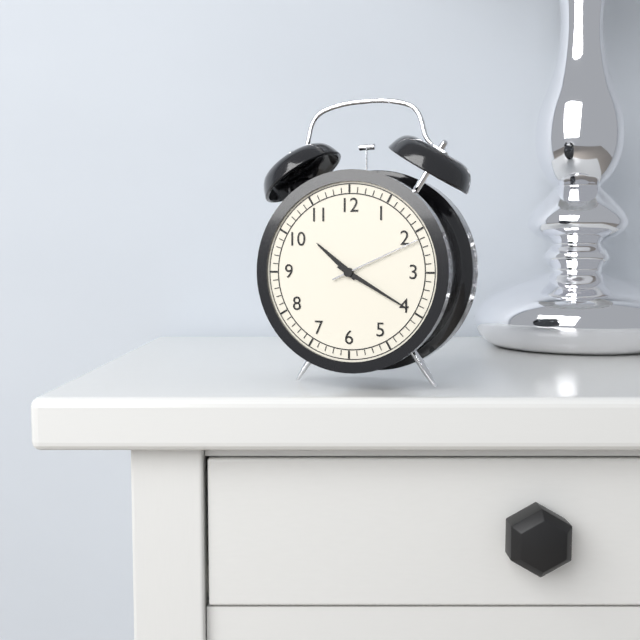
10:20:11
